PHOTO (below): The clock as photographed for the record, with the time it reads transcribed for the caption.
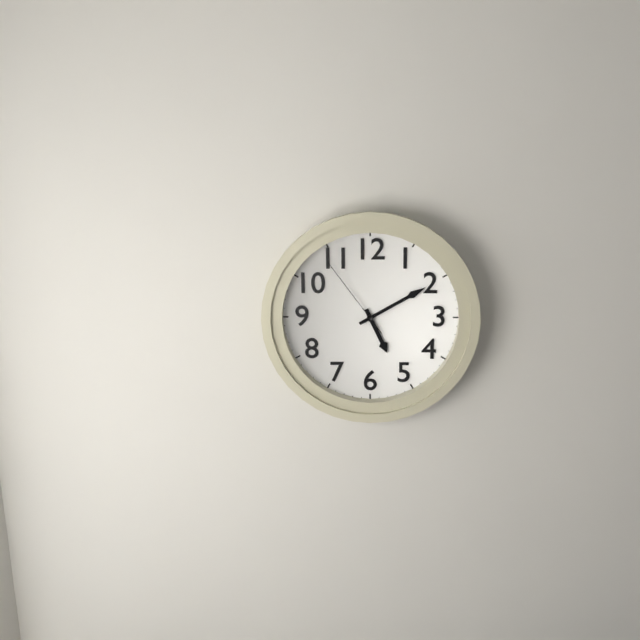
5:10:54
